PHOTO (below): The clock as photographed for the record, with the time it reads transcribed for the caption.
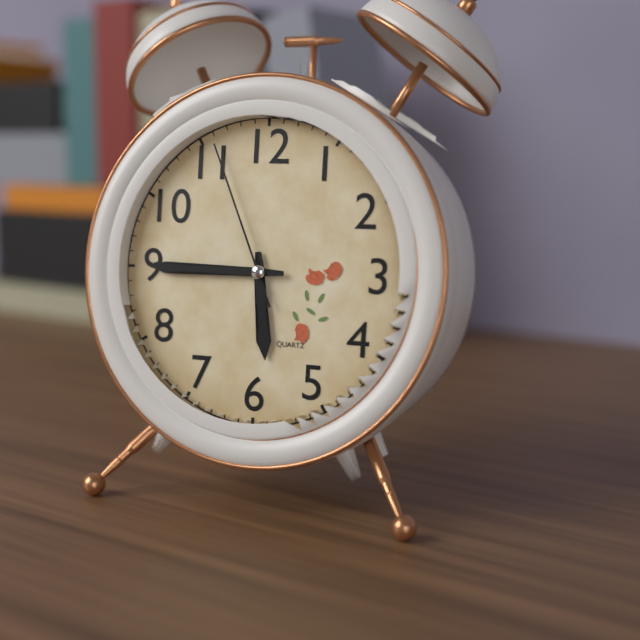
5:45:56
